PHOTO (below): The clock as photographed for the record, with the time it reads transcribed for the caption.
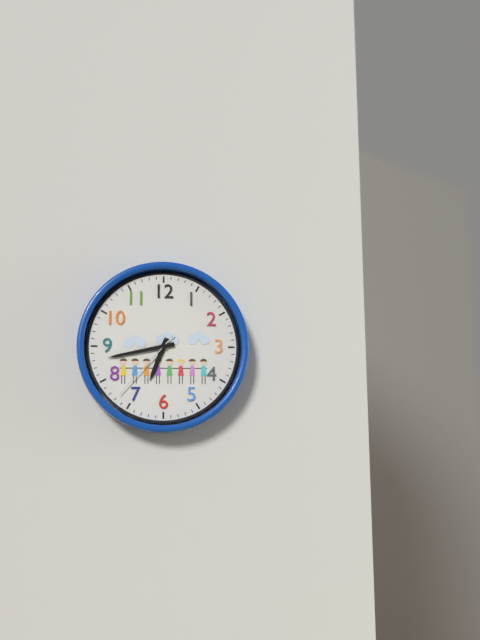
6:43:37
